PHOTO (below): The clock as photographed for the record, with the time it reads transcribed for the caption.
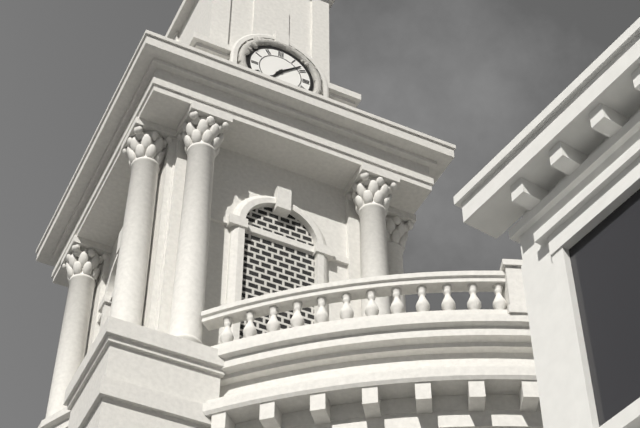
7:08
